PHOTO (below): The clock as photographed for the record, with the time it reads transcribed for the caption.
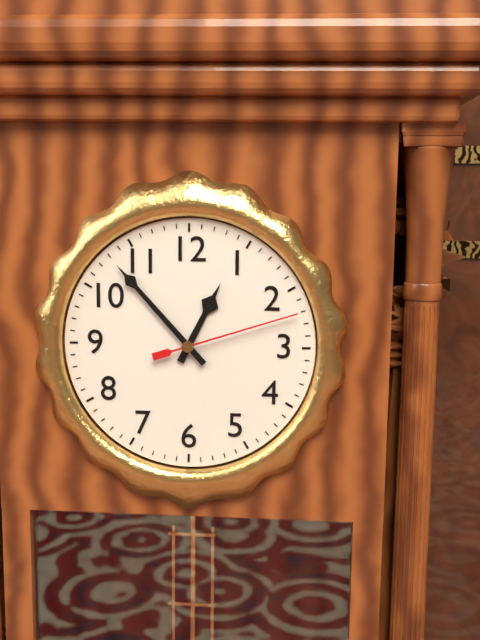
12:53:12
